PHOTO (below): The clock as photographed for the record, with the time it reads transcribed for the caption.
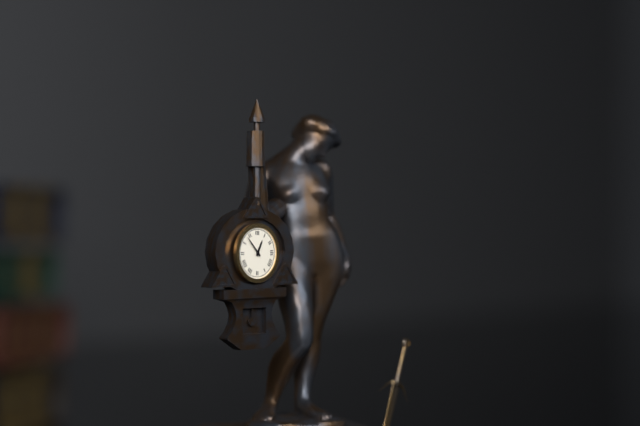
12:53
